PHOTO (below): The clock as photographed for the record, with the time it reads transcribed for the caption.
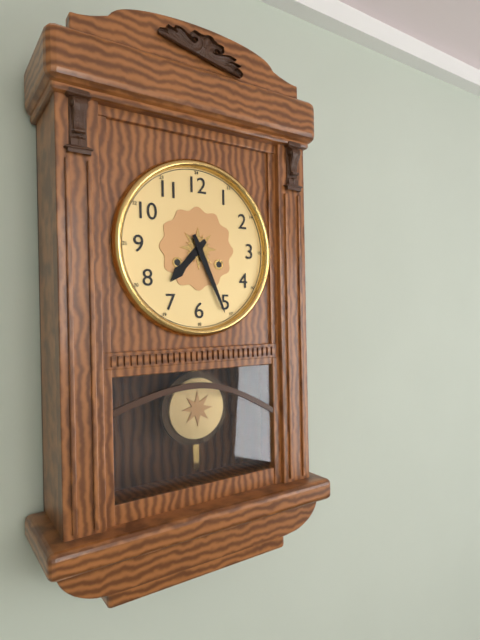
7:26
